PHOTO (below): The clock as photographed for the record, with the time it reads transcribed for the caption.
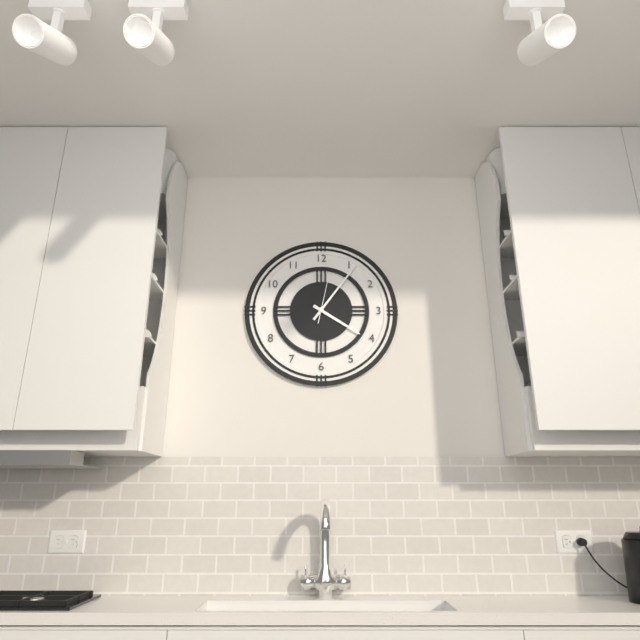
4:06:02
